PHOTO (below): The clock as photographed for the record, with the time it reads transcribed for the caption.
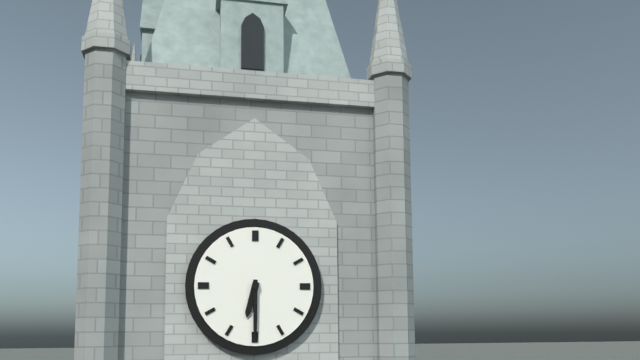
6:30
